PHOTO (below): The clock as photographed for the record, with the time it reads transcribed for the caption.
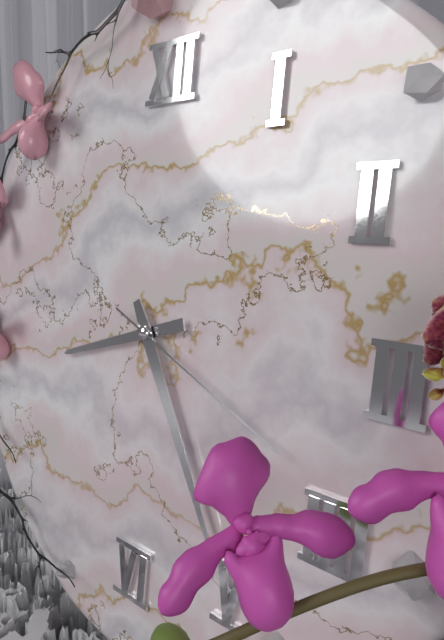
8:25:19
